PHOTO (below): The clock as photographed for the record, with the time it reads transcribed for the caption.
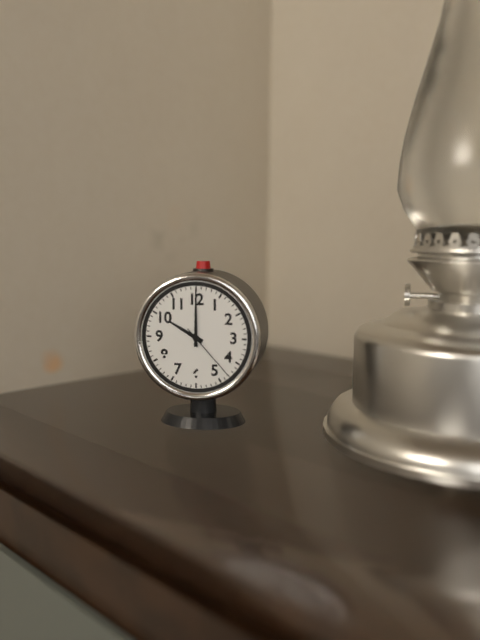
10:00:23
